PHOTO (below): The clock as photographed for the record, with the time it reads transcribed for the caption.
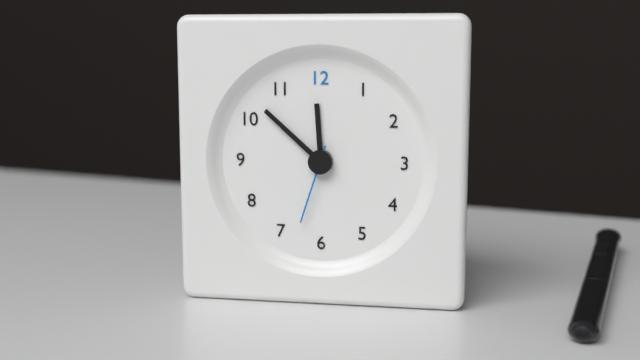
11:52:33
